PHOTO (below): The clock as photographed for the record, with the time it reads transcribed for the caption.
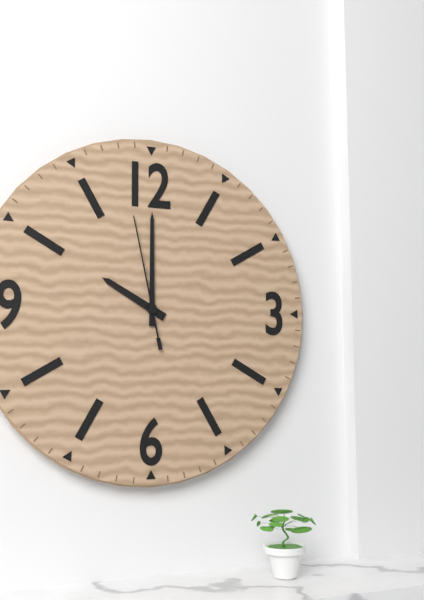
10:00:58
